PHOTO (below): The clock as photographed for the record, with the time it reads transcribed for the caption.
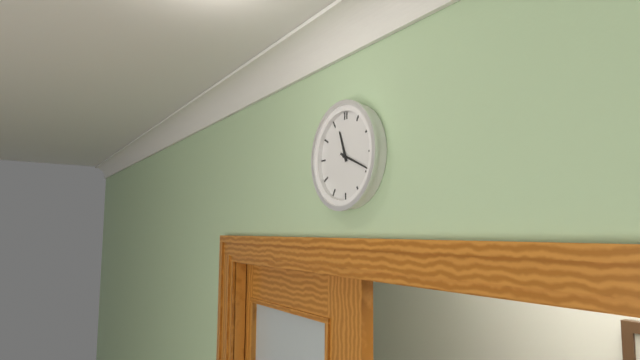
11:19
